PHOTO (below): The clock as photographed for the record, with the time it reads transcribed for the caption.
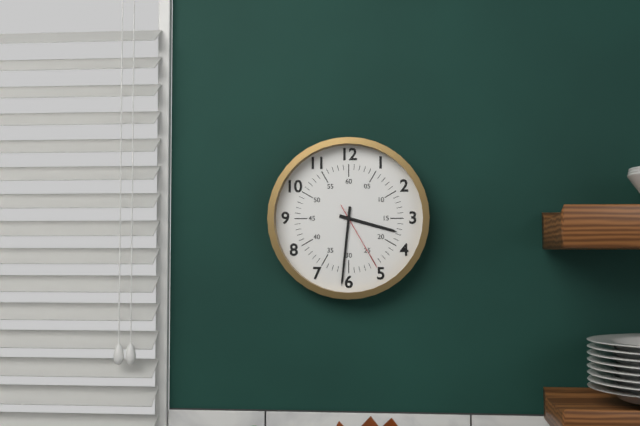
3:31:25
